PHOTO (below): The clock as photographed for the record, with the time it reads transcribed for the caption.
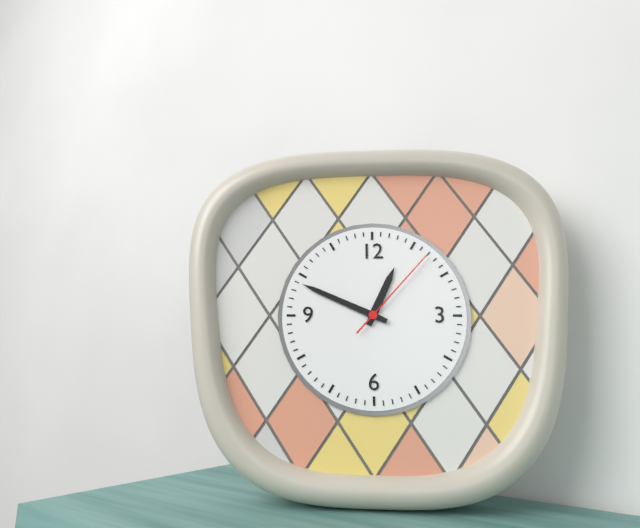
12:49:07
